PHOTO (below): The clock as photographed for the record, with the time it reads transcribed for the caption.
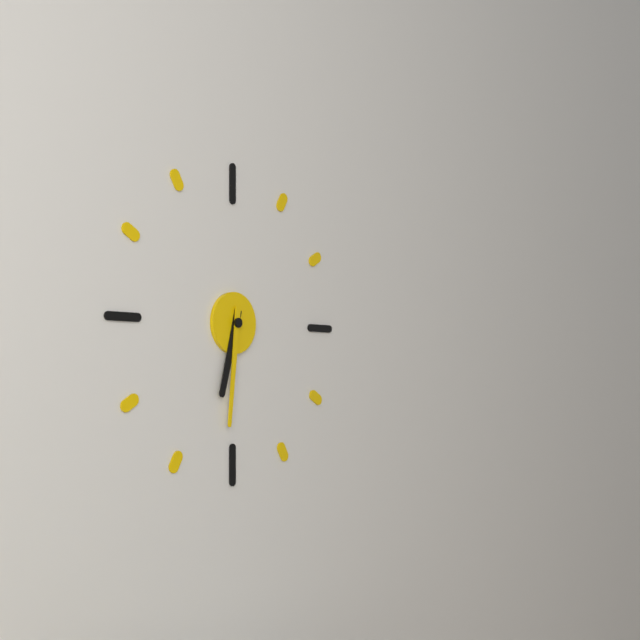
6:31
